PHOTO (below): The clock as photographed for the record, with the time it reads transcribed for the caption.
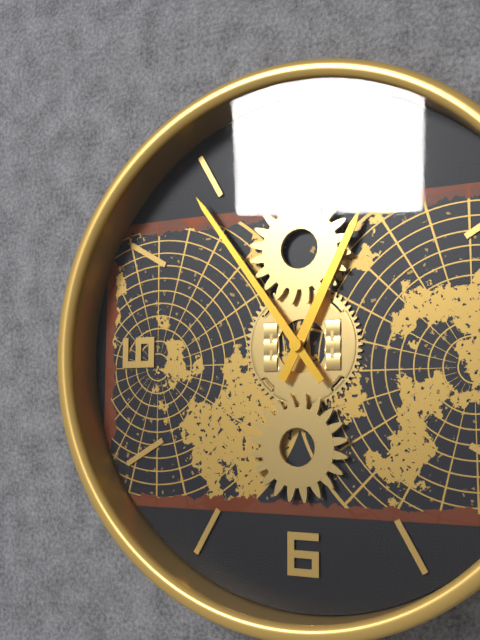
12:54
